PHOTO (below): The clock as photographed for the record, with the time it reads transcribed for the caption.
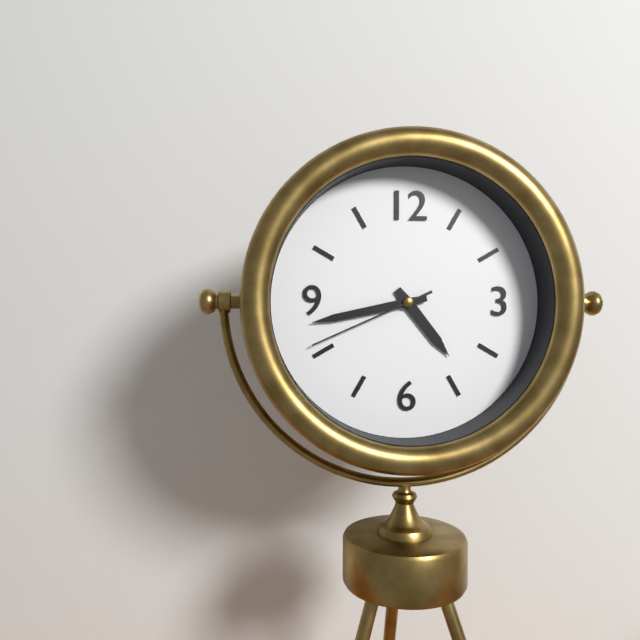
4:43:41
